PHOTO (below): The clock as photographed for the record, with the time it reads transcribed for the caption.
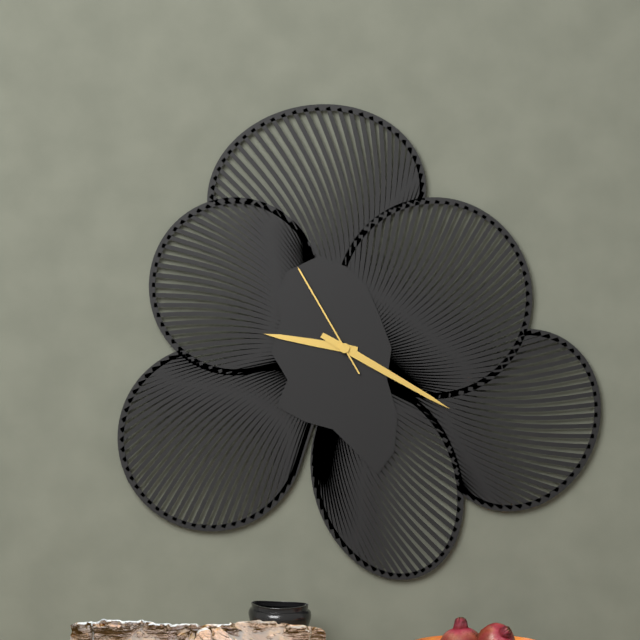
9:20:55
